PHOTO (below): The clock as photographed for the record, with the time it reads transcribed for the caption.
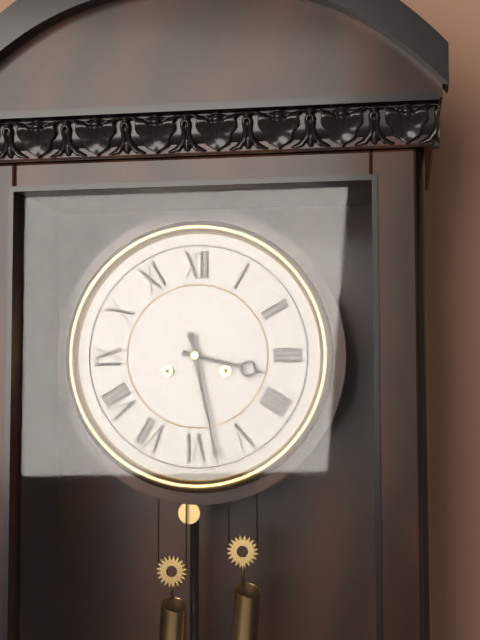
3:28
